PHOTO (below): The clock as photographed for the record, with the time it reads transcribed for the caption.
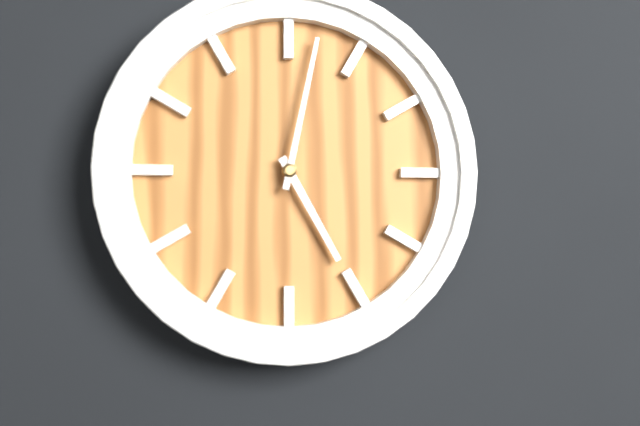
5:02
